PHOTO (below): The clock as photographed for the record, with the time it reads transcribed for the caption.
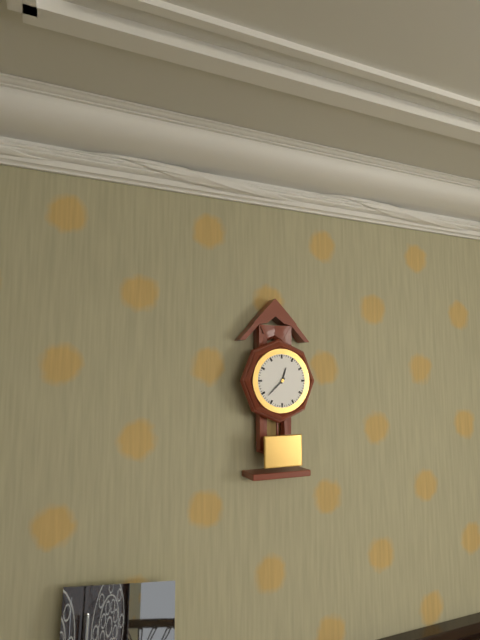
12:38
